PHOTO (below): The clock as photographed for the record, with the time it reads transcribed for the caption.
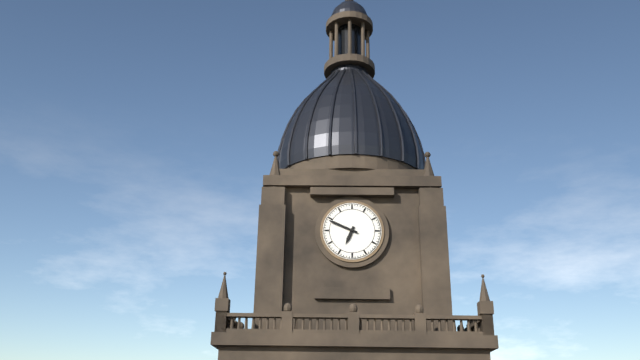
6:49
